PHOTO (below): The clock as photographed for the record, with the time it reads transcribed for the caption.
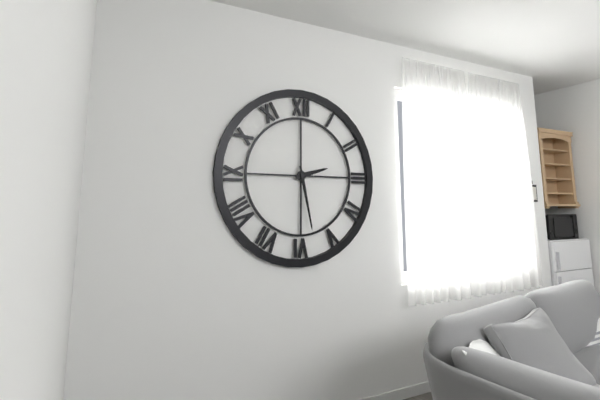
2:28
